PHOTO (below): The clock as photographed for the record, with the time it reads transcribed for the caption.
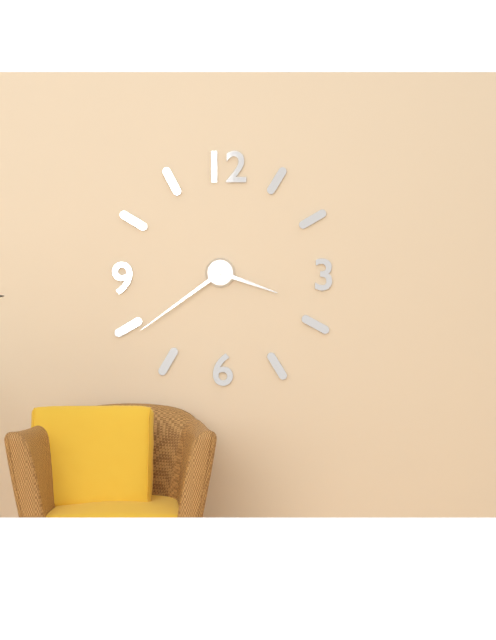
3:39
